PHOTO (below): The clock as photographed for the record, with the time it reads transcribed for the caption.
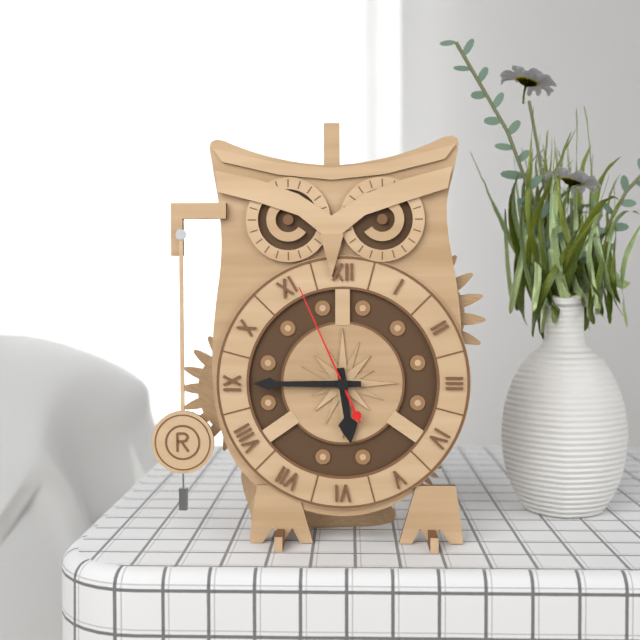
5:45:56
